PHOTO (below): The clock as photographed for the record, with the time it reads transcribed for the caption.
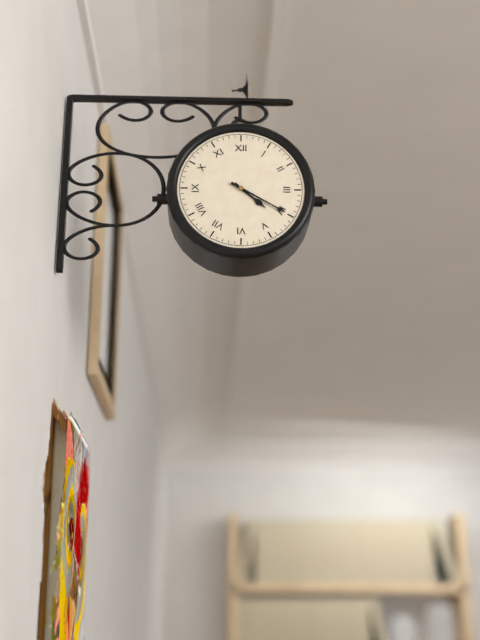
4:20
